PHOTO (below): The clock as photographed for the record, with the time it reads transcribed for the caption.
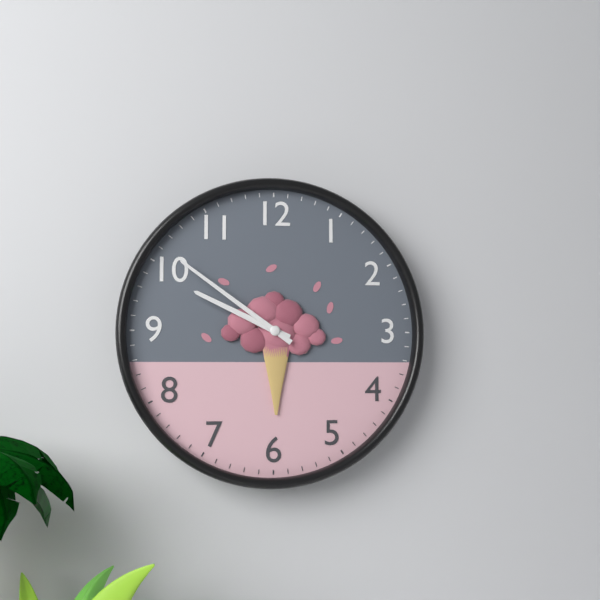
9:51
